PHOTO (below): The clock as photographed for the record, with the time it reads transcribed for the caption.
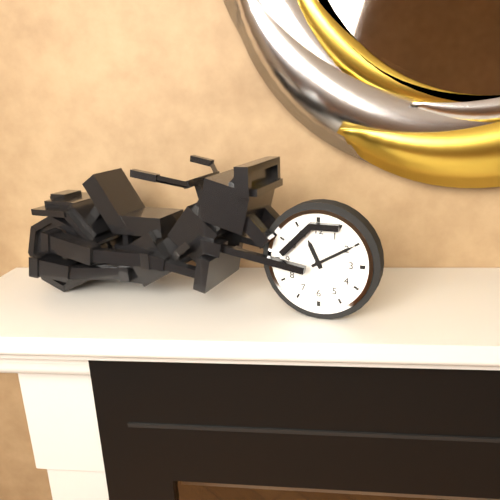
11:10
